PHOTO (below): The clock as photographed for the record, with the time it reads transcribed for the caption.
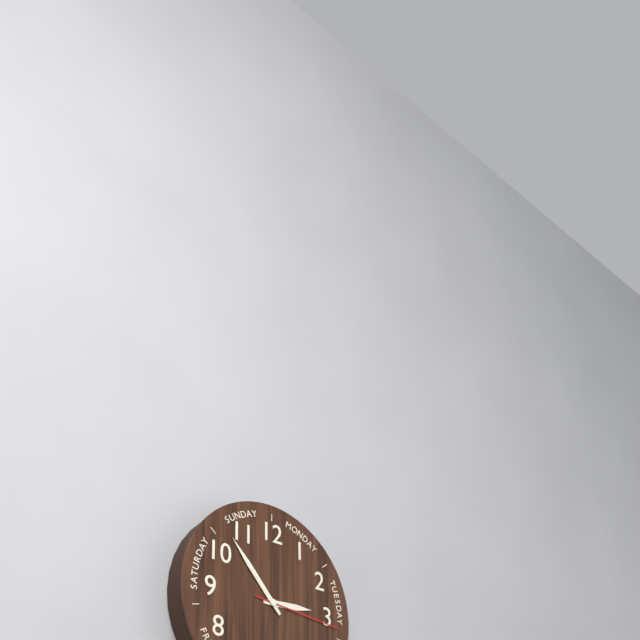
2:53:16
